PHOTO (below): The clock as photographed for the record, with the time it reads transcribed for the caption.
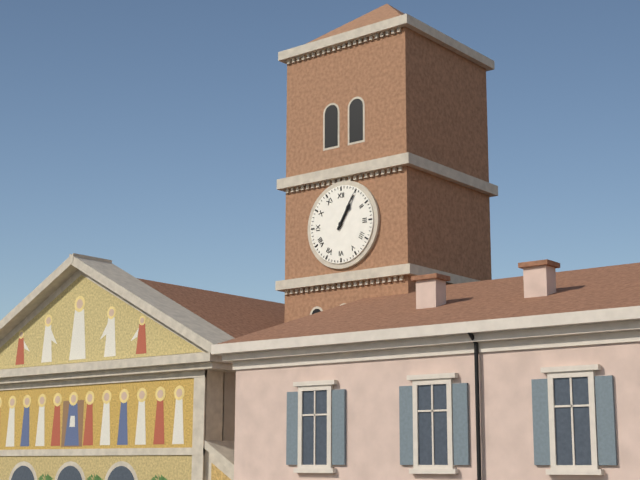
1:05
